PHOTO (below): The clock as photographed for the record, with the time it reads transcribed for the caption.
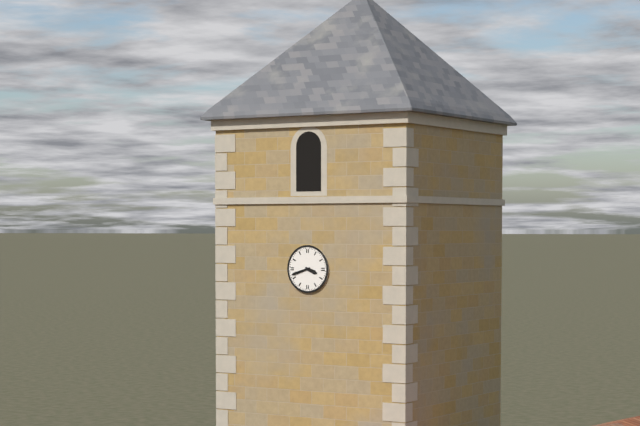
3:42
